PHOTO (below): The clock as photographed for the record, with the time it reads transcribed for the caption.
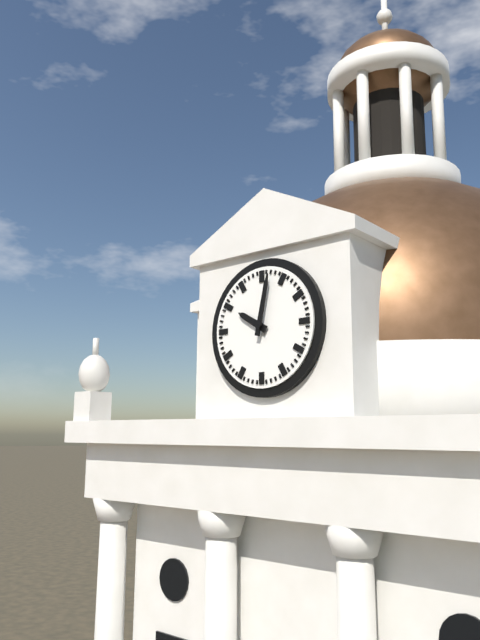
10:02
